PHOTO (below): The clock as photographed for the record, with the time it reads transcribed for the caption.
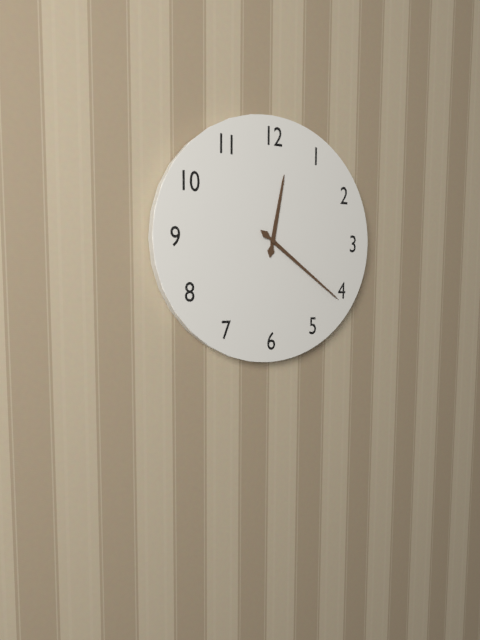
12:21
